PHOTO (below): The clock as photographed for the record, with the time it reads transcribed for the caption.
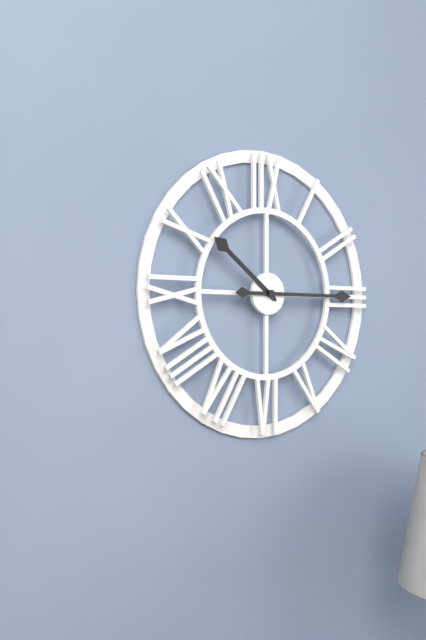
10:15
